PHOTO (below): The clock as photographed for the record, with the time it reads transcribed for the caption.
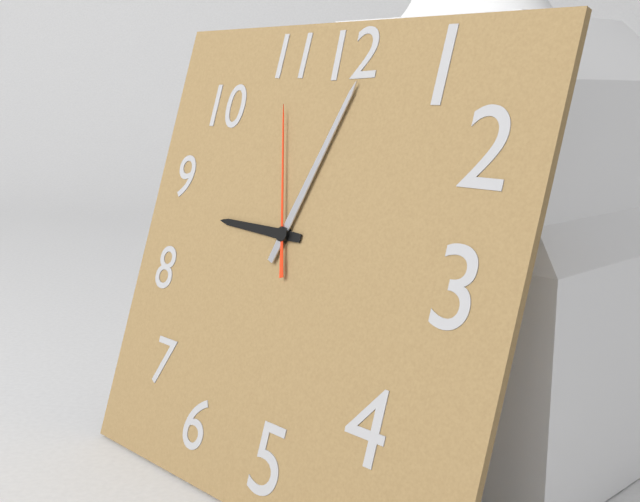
9:03:57
